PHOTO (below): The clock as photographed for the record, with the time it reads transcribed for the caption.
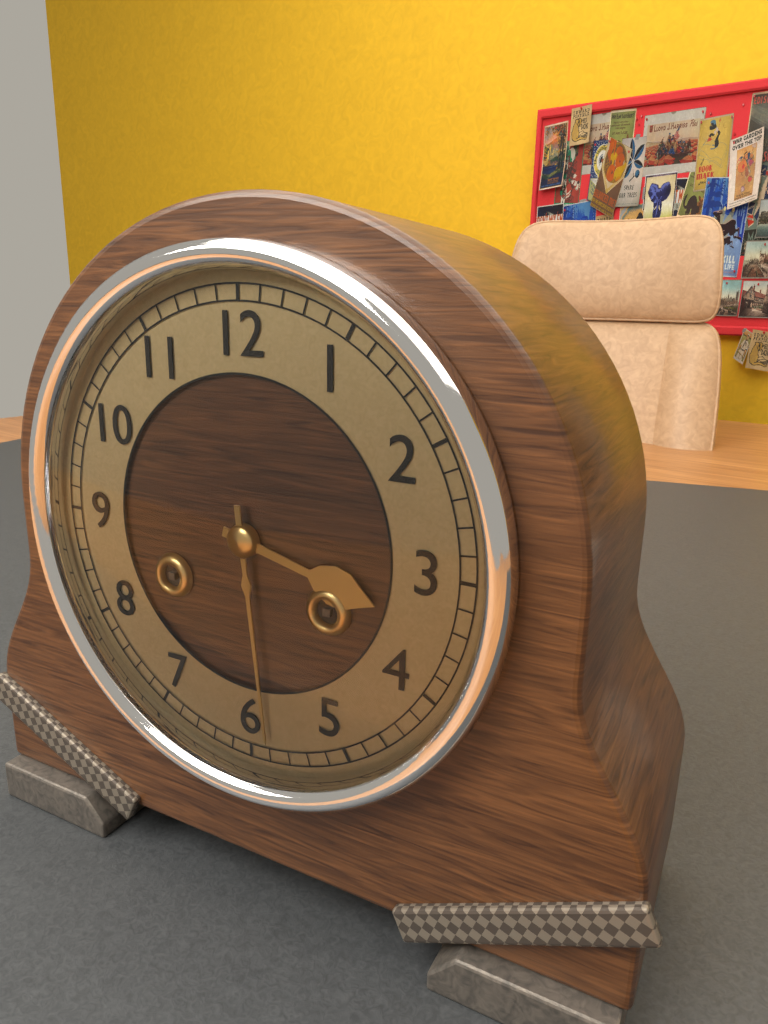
3:29
